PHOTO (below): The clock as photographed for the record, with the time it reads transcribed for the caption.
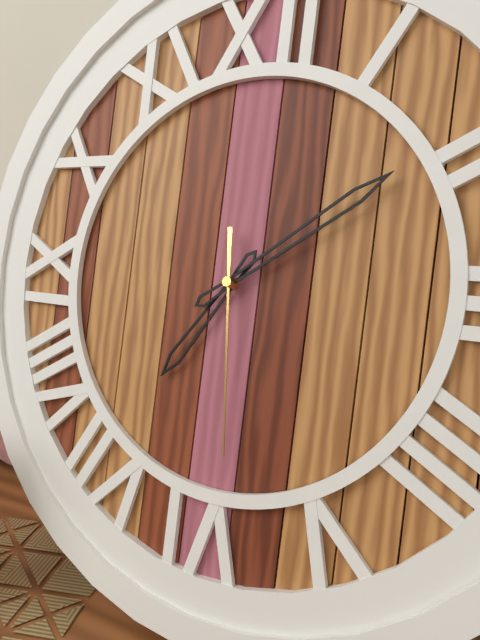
7:09:29
